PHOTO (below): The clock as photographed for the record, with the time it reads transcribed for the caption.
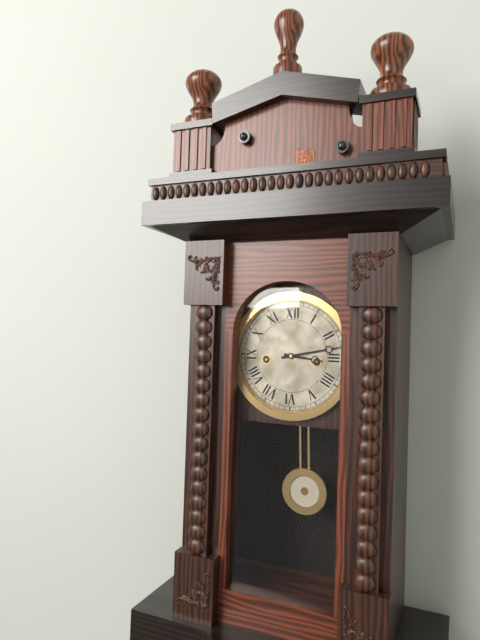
3:13
